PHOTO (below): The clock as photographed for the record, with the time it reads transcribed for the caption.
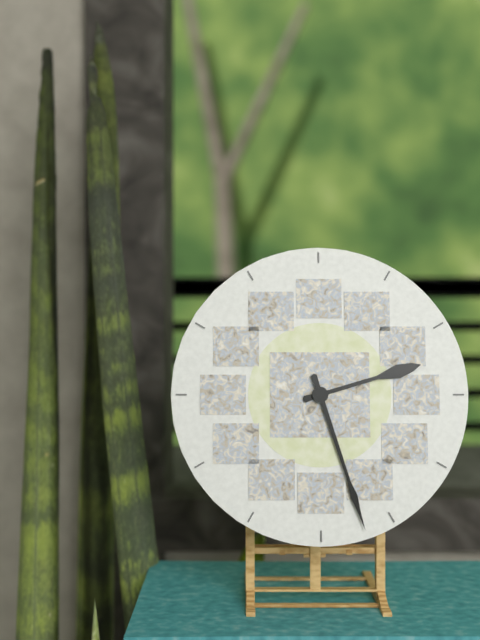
2:27
